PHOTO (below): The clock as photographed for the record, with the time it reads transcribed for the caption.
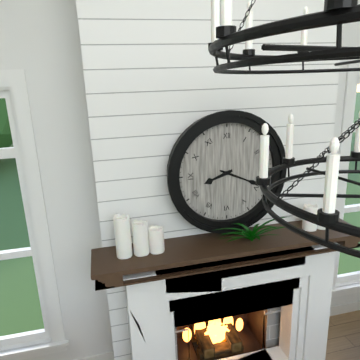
8:19
